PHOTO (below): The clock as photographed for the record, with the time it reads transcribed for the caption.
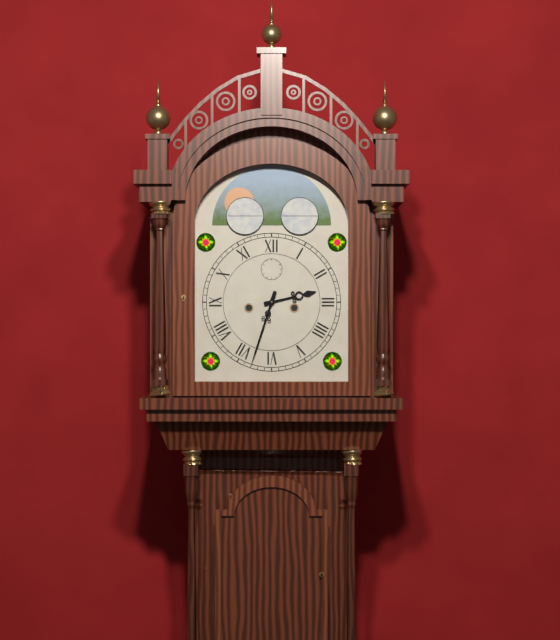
2:33
